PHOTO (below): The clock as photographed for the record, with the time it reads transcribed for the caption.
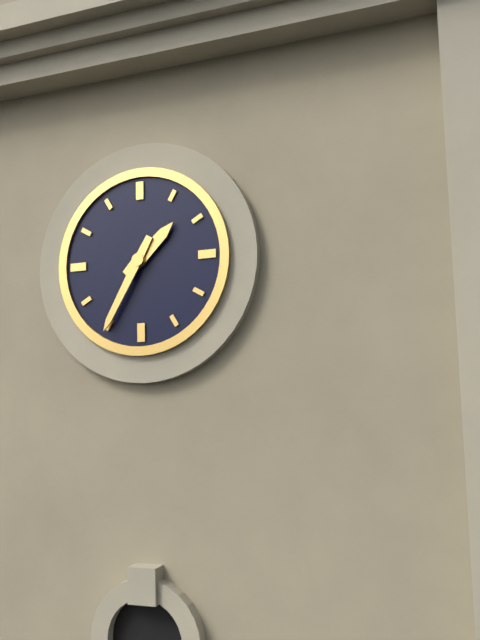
1:35
